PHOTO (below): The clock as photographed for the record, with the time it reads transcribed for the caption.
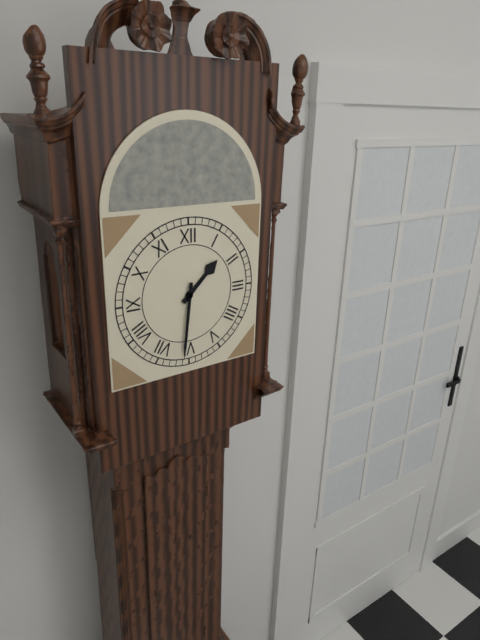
1:31
